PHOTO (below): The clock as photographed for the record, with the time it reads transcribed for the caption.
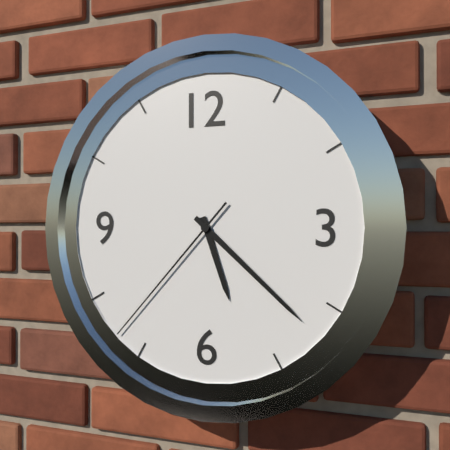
5:22:37
